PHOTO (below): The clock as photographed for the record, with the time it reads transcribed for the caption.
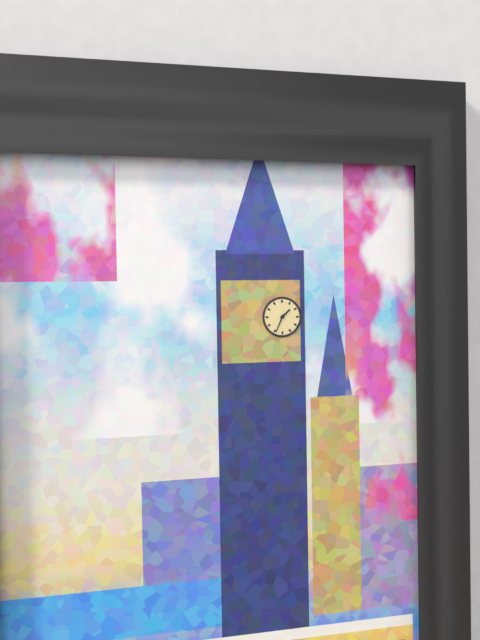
1:34
